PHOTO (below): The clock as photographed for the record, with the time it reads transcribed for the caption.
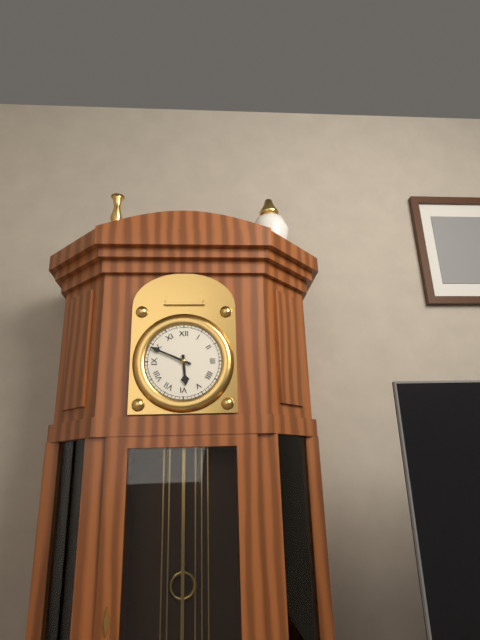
5:49
